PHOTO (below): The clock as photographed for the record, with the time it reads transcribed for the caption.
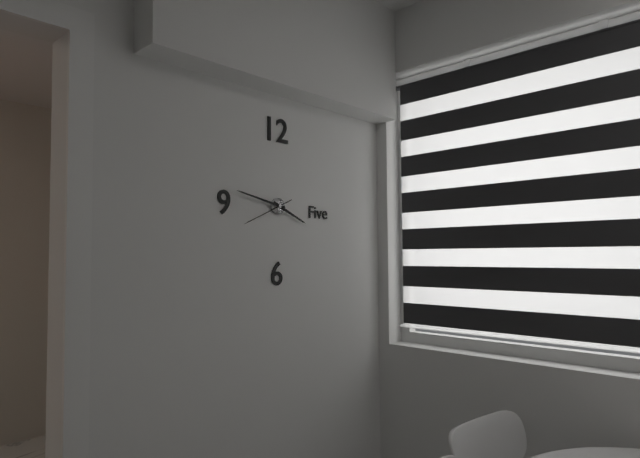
3:47:41
